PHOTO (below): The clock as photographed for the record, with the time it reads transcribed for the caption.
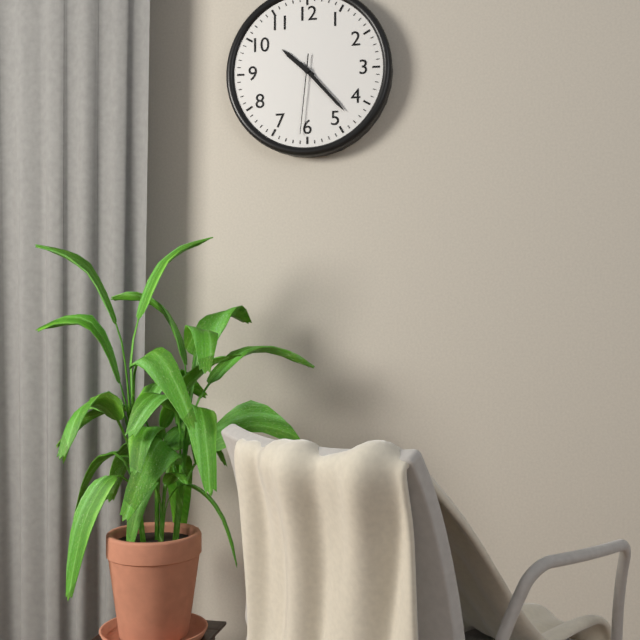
10:23:31
